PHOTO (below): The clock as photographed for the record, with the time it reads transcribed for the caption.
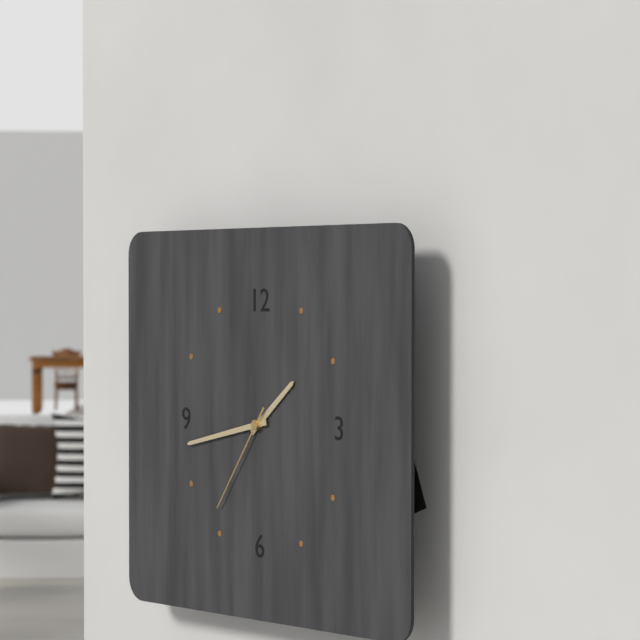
1:43:36
